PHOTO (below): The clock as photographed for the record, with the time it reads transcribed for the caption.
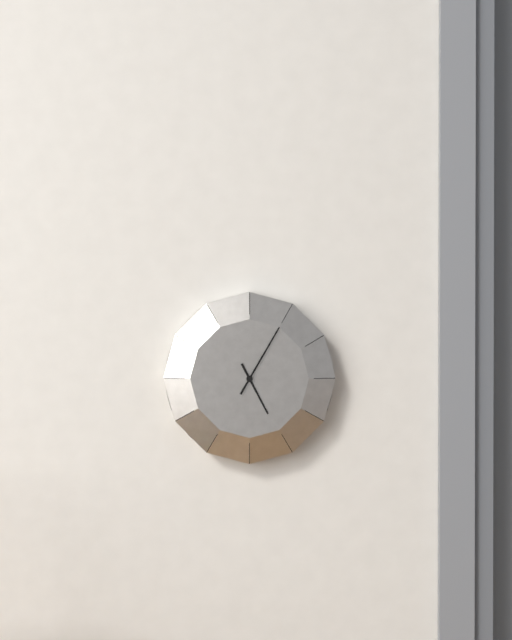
5:05
